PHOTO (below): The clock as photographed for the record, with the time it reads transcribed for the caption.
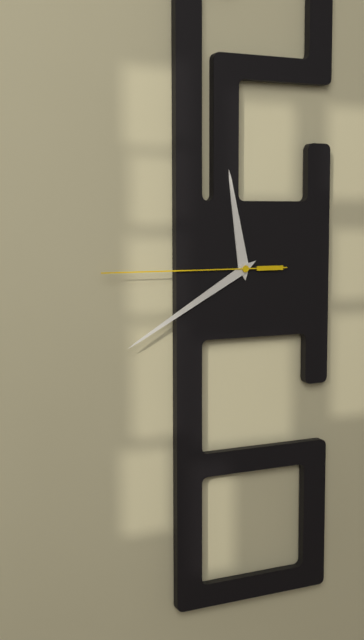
11:40:45
